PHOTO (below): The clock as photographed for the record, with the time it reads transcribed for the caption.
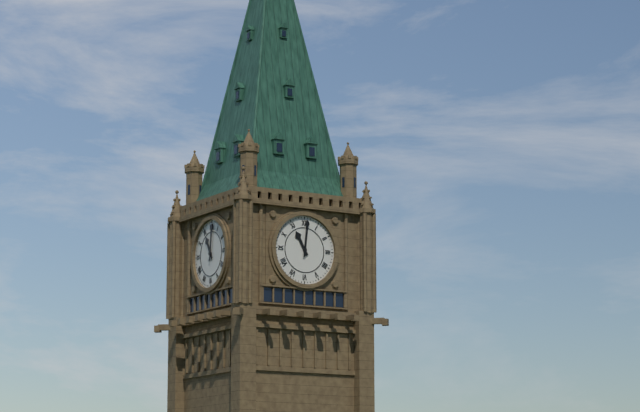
11:01
